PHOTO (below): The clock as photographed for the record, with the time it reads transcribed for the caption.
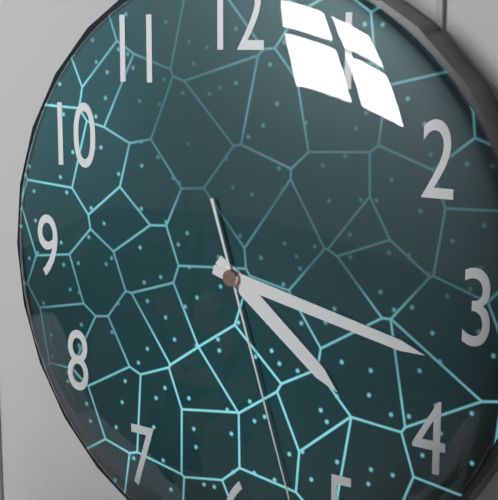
4:17
